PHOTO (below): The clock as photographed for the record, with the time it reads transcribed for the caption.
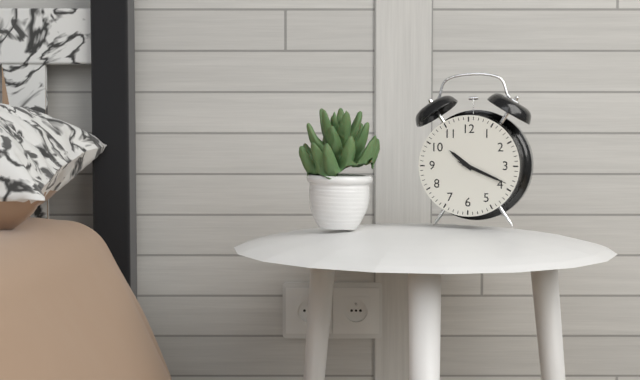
10:19:19
